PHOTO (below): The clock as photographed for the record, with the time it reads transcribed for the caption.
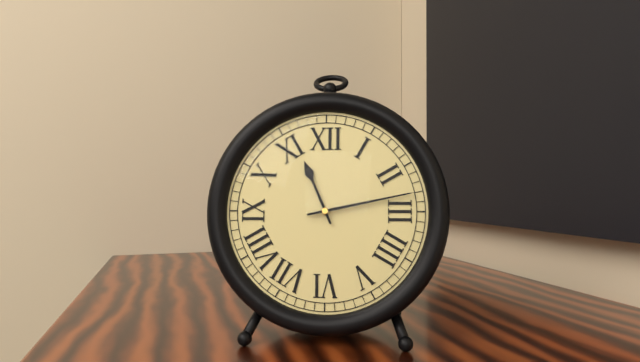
11:13
